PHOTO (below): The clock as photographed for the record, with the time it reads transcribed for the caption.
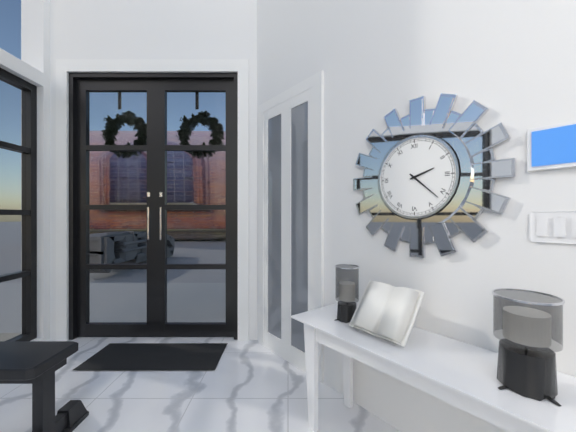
2:22
